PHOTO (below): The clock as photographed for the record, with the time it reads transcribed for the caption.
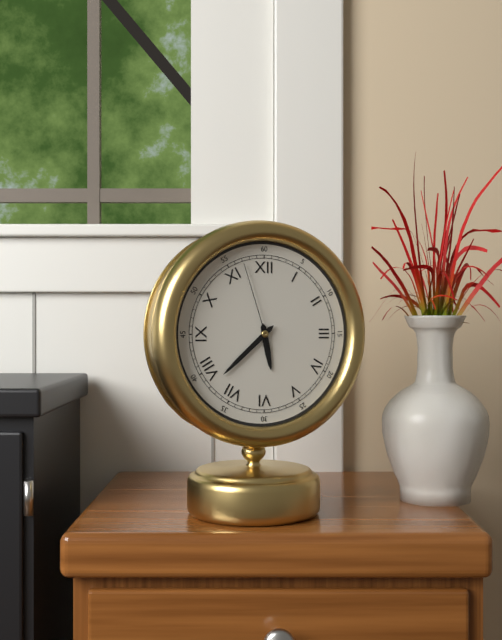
5:38:57
